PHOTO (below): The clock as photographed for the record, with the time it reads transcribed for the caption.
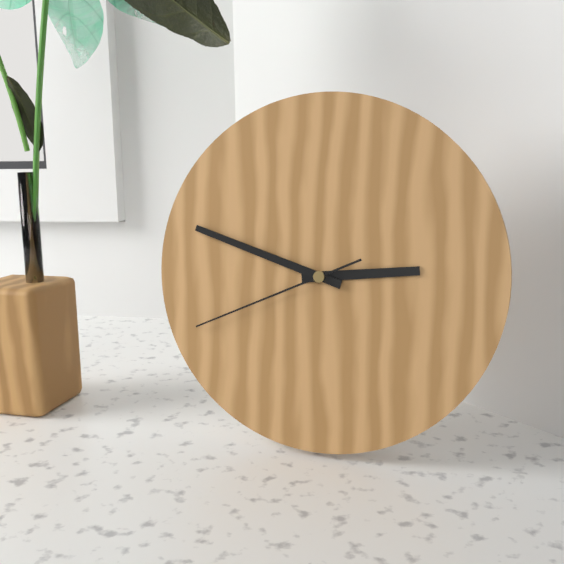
2:48:41
